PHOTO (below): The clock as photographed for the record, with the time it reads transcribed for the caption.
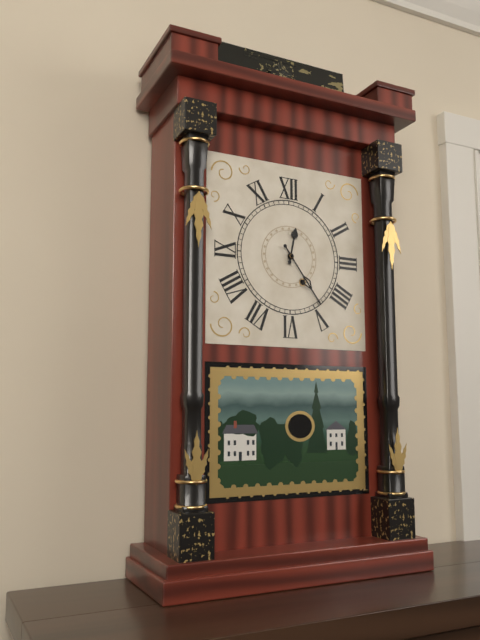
12:24
